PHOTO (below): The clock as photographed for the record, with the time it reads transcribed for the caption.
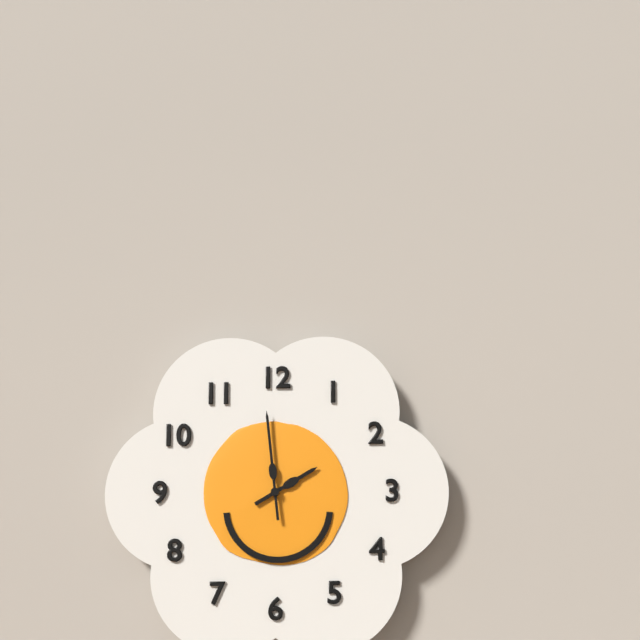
1:59
